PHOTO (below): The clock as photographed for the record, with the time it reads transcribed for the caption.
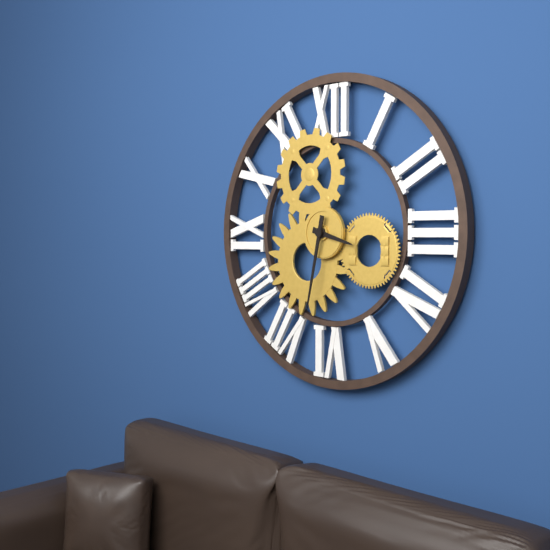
3:32
